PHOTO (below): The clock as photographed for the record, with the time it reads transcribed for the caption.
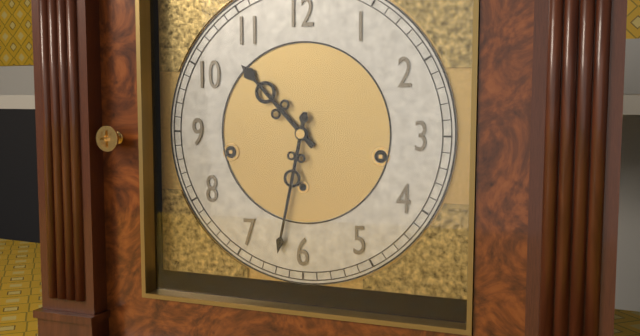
10:32
